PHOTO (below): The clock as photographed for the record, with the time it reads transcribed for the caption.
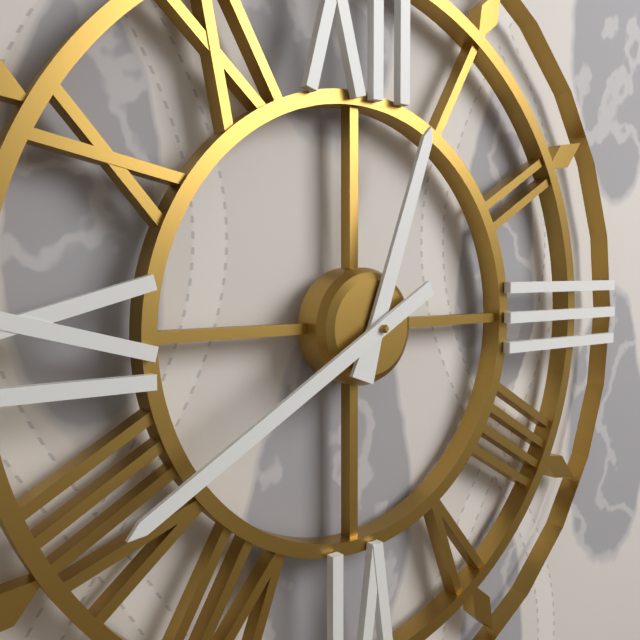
12:40
